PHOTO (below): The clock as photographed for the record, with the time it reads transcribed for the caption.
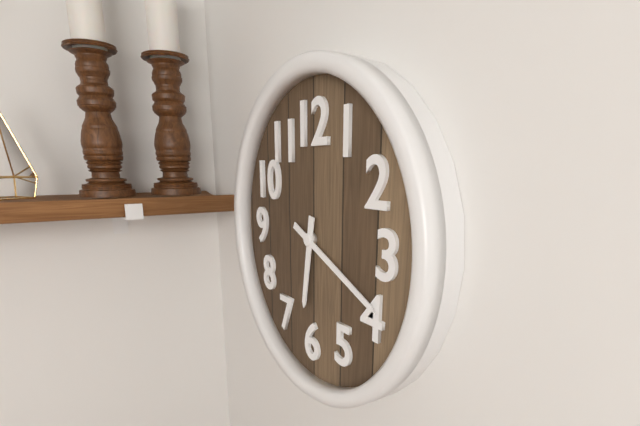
6:19
